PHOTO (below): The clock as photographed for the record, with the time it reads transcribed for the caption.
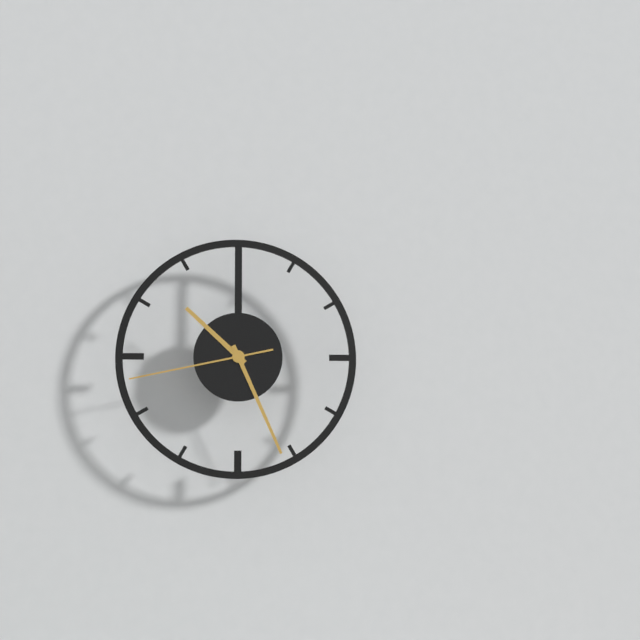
10:26:43
